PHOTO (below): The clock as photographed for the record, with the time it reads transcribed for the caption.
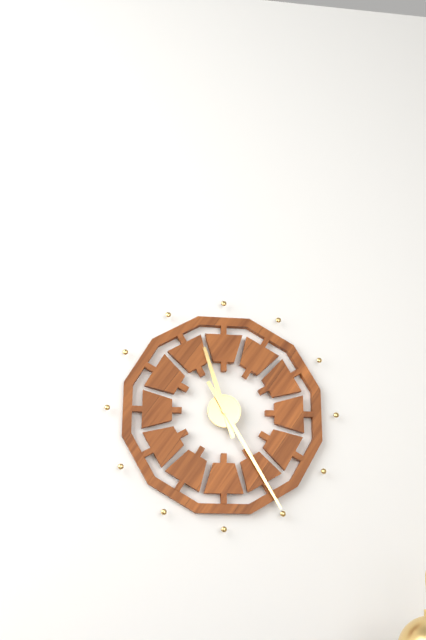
11:25
